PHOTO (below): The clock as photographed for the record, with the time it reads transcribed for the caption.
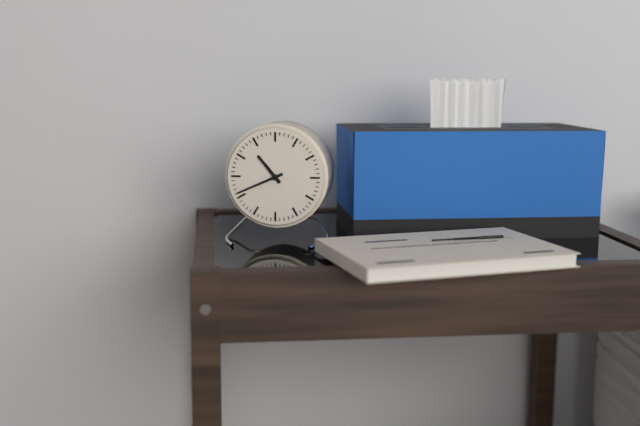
10:41
